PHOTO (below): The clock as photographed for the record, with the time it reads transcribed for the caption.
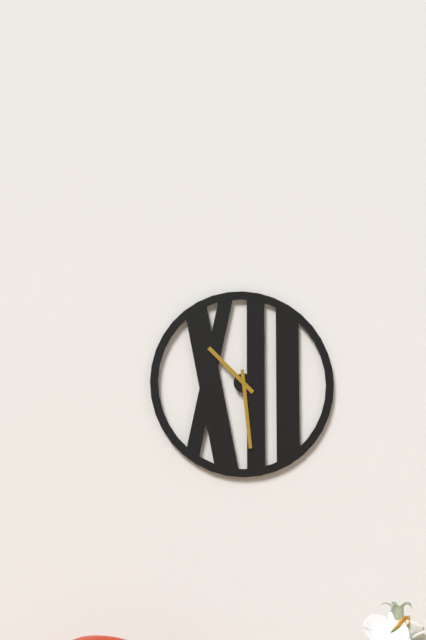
10:29
